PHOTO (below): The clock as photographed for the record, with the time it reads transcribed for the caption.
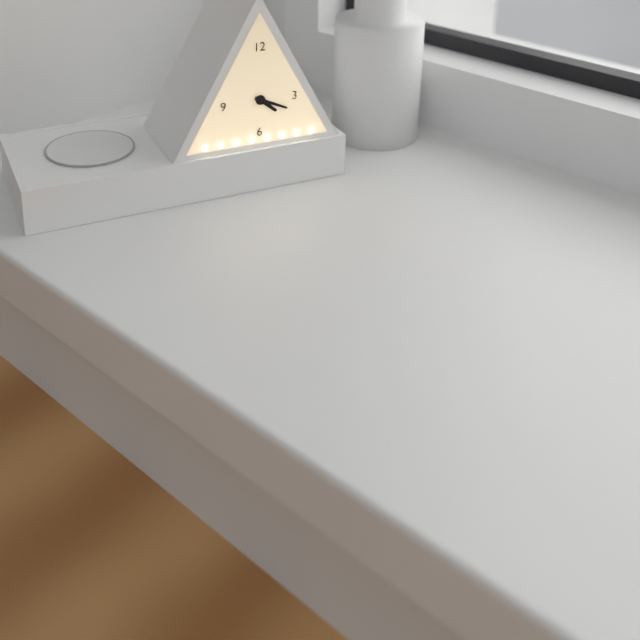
4:19
